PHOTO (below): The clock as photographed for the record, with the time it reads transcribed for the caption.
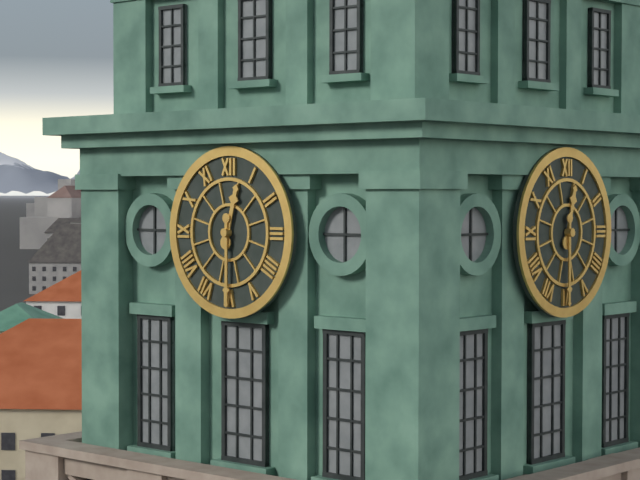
12:30
